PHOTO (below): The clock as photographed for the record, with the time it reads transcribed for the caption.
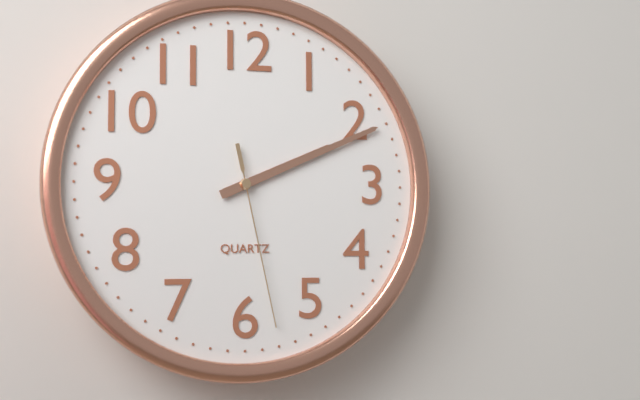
2:11:28
